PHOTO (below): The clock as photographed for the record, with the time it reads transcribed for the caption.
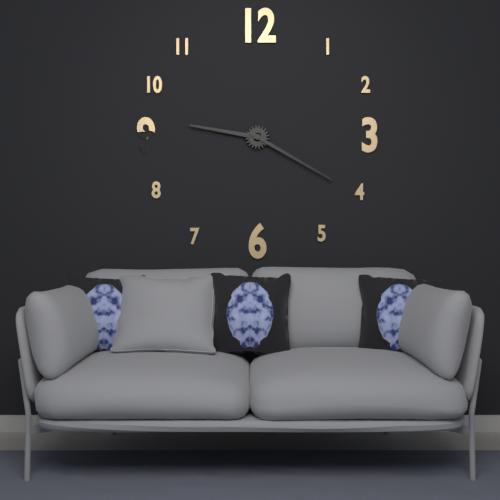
9:20
